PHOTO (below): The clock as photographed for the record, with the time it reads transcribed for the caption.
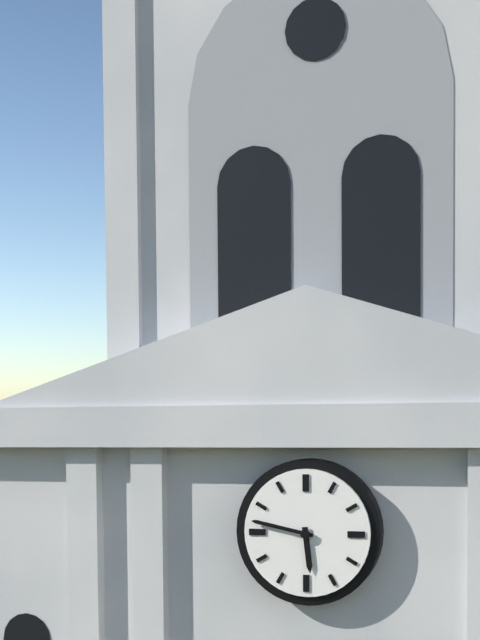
5:47
